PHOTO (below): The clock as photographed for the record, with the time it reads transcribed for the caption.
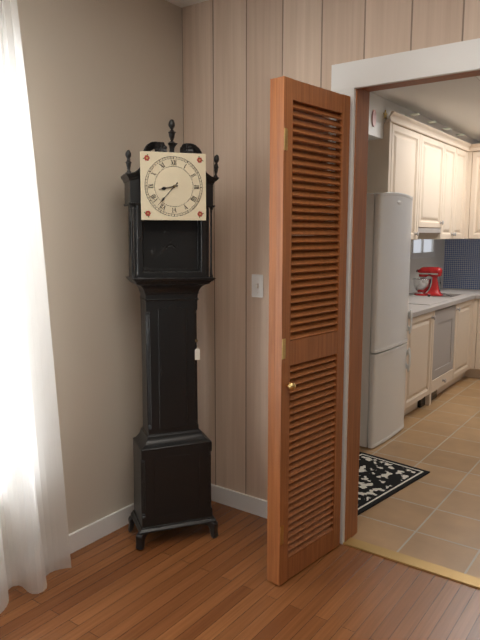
8:37
